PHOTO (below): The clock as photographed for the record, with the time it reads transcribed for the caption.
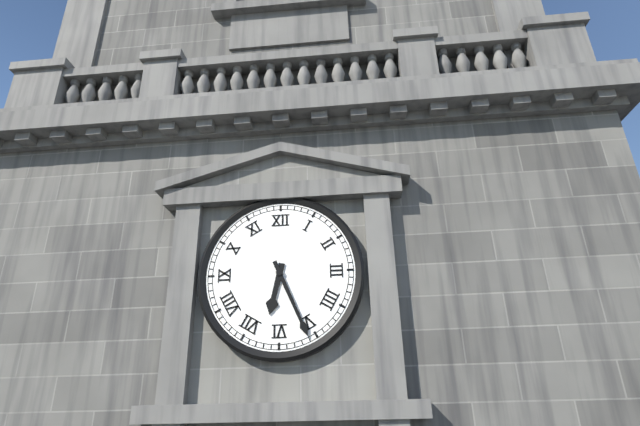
6:26
